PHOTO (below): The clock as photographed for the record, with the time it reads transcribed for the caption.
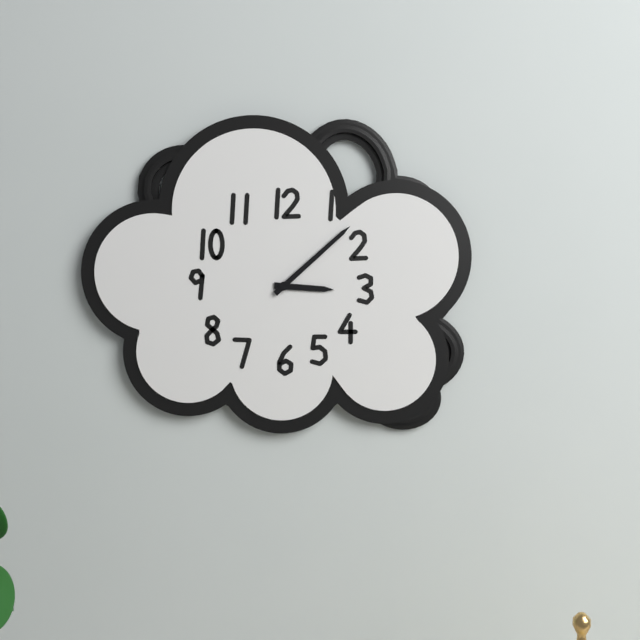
3:08
